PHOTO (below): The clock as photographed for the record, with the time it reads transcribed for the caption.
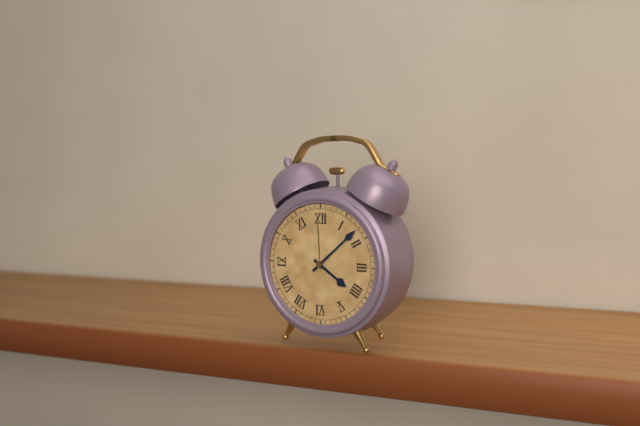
4:08
